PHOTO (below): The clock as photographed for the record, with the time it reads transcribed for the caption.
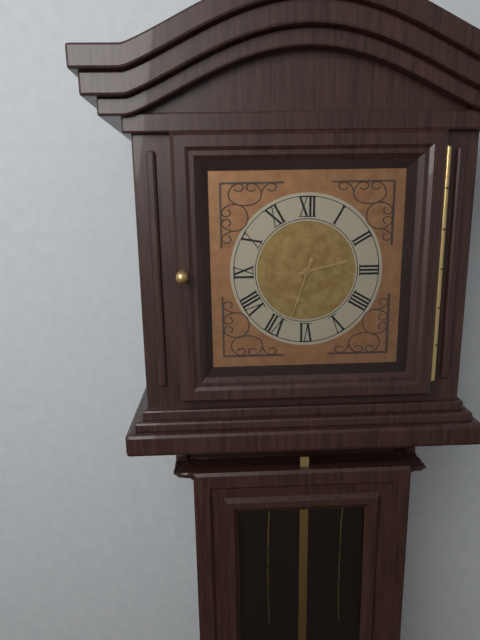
2:33
